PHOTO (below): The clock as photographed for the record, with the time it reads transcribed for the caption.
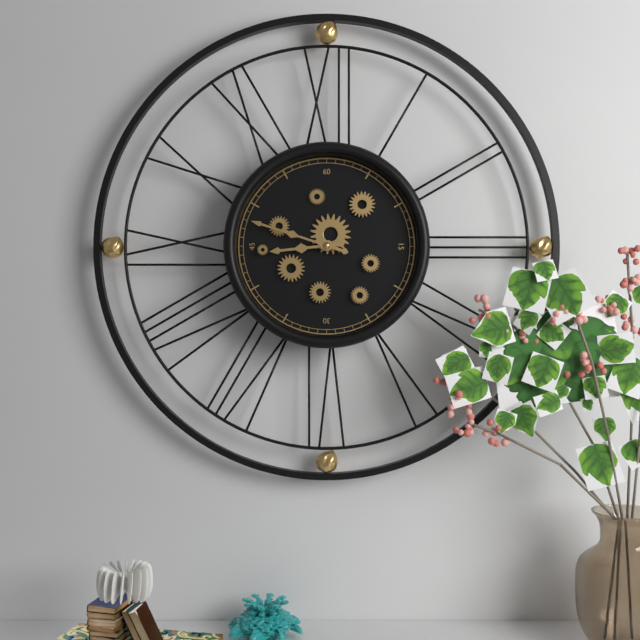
8:48
